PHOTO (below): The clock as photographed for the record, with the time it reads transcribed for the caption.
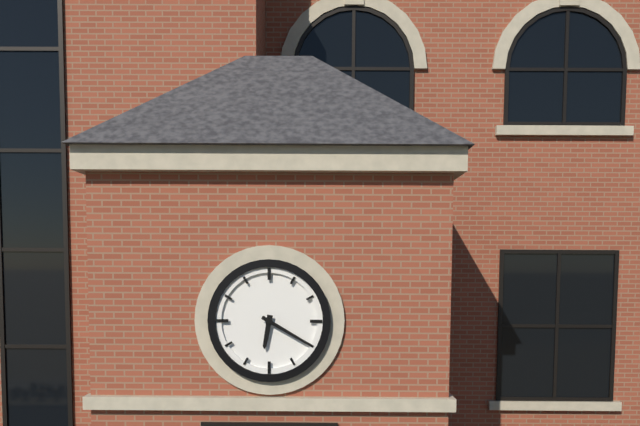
6:20
